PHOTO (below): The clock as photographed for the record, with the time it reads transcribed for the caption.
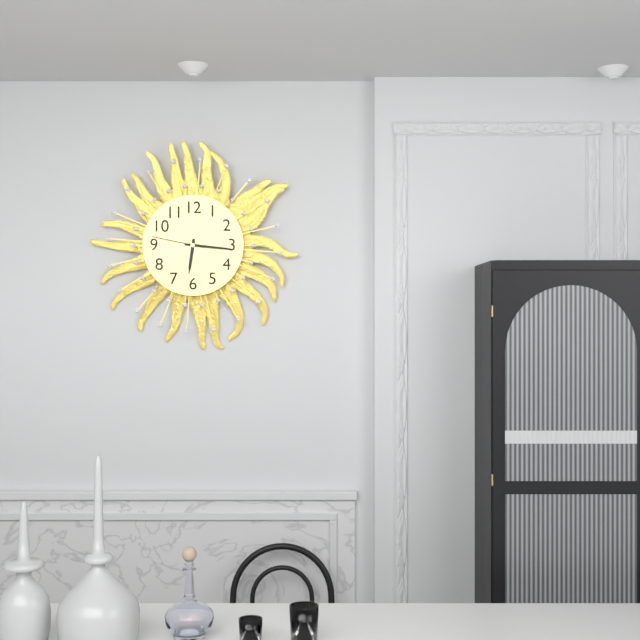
6:16:47
